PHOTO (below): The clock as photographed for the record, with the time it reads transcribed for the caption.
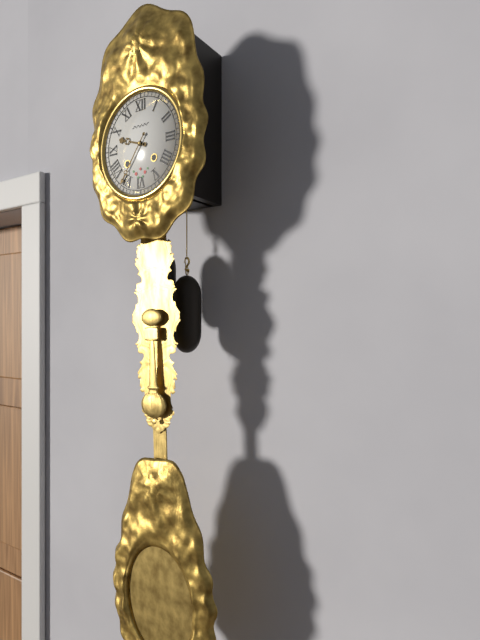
9:36
